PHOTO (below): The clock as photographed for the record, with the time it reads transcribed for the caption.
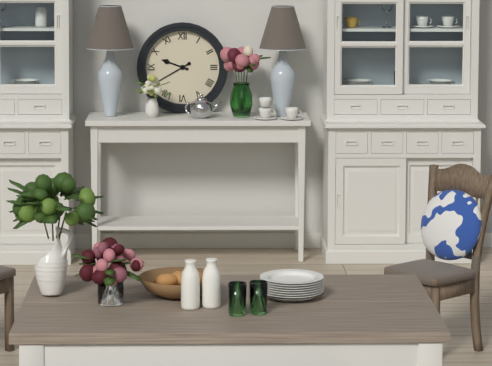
9:40
